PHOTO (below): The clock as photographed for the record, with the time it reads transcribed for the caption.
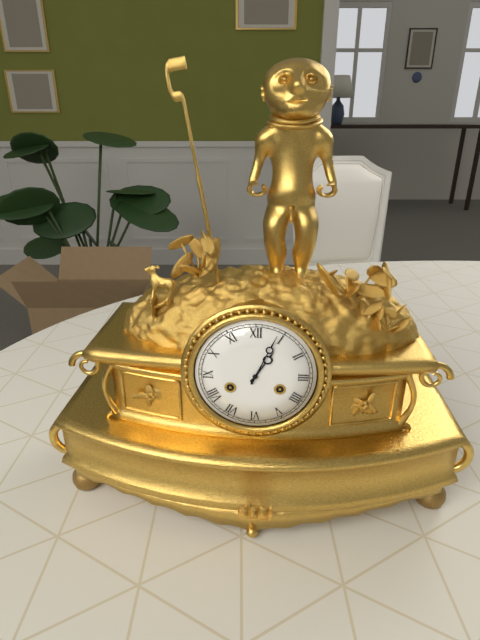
1:04
